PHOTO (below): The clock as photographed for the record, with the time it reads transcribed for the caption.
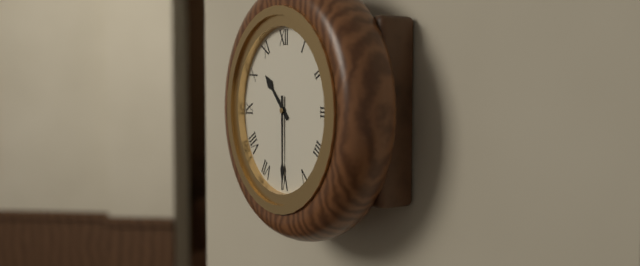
10:30
